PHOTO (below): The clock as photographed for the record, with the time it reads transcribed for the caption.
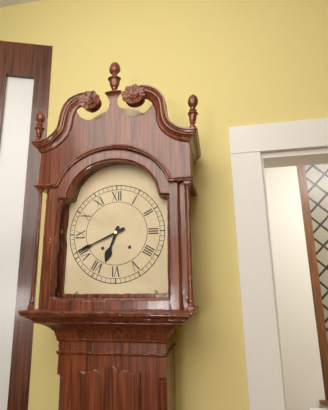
6:41
